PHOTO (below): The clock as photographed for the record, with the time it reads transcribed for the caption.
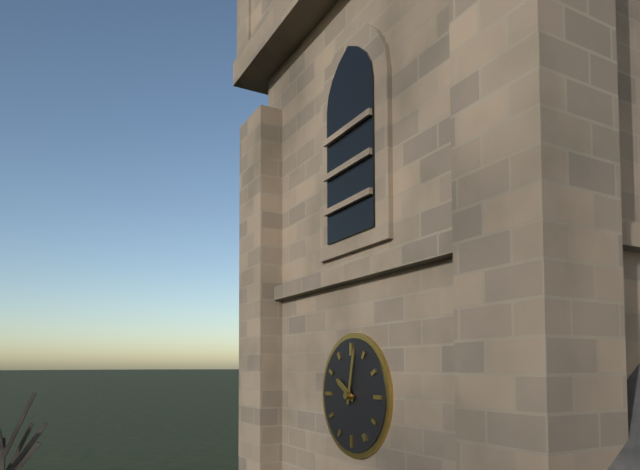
10:02
